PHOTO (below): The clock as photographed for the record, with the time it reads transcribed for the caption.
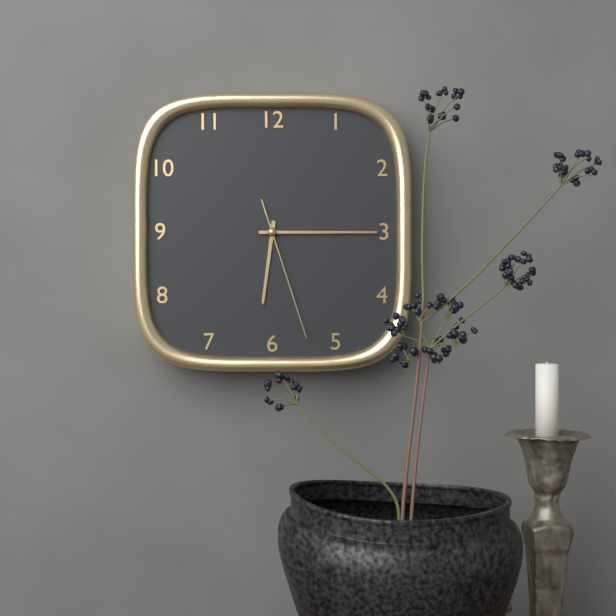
6:15:27
